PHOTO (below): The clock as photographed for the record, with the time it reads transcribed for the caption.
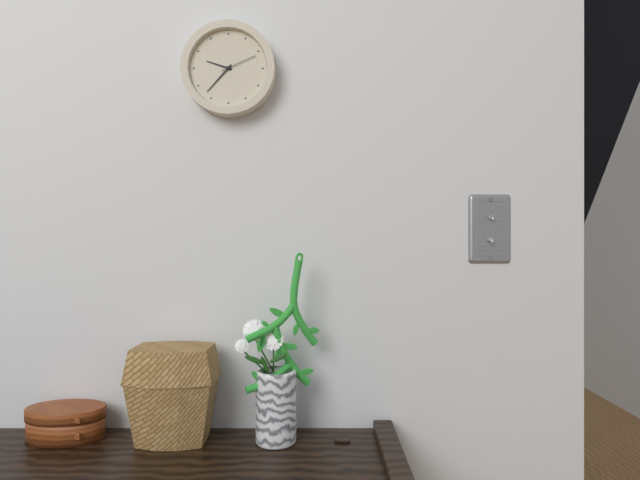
9:37
